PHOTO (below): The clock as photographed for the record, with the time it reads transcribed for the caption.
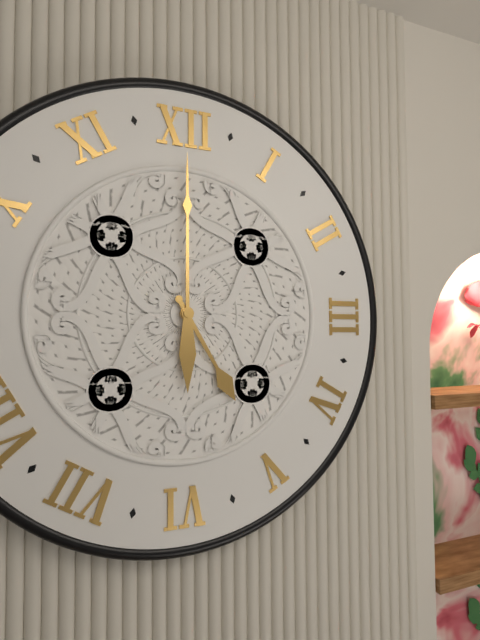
5:00
